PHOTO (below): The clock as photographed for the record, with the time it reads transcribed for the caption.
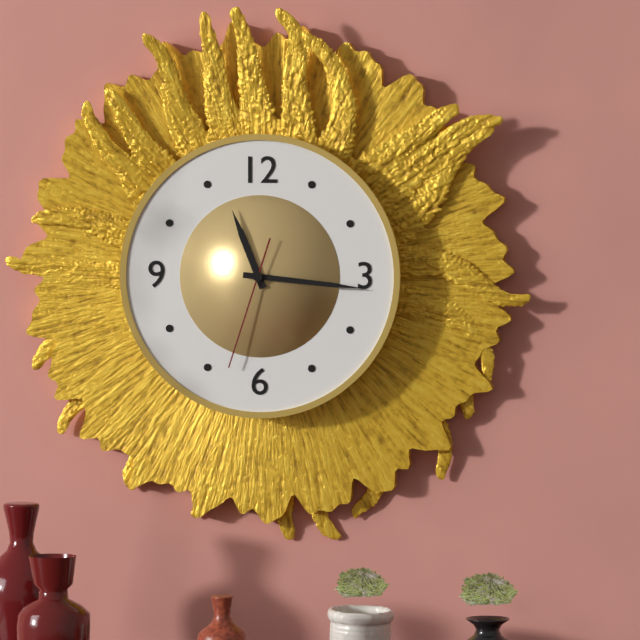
11:16:33
